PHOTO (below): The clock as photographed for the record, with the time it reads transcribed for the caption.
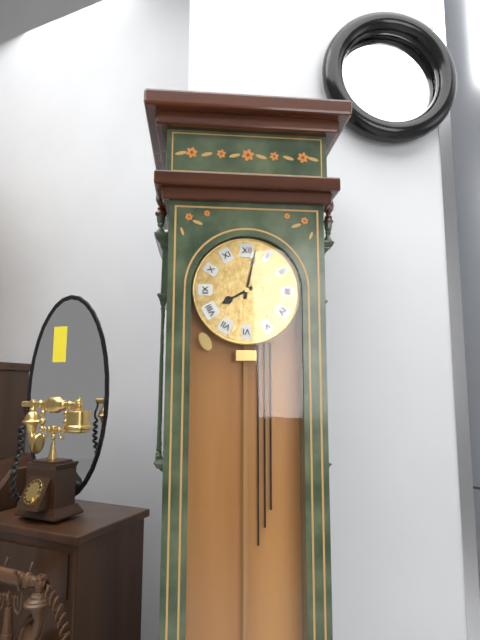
8:02
